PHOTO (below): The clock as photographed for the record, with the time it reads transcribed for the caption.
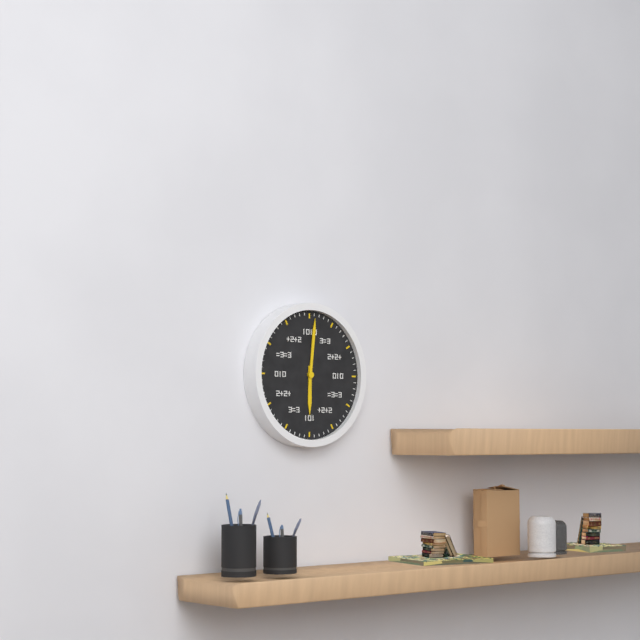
6:01
